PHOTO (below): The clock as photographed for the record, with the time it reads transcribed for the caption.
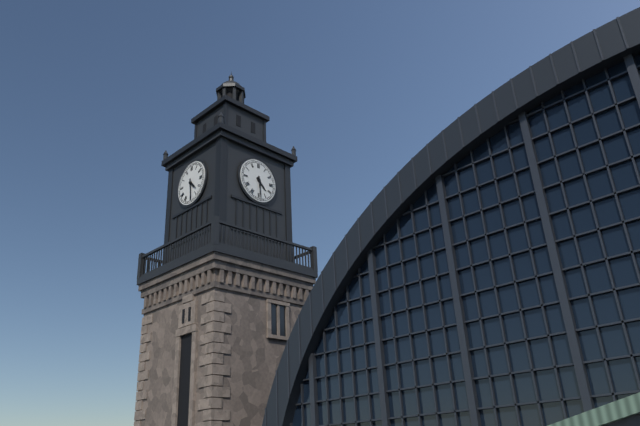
4:29
